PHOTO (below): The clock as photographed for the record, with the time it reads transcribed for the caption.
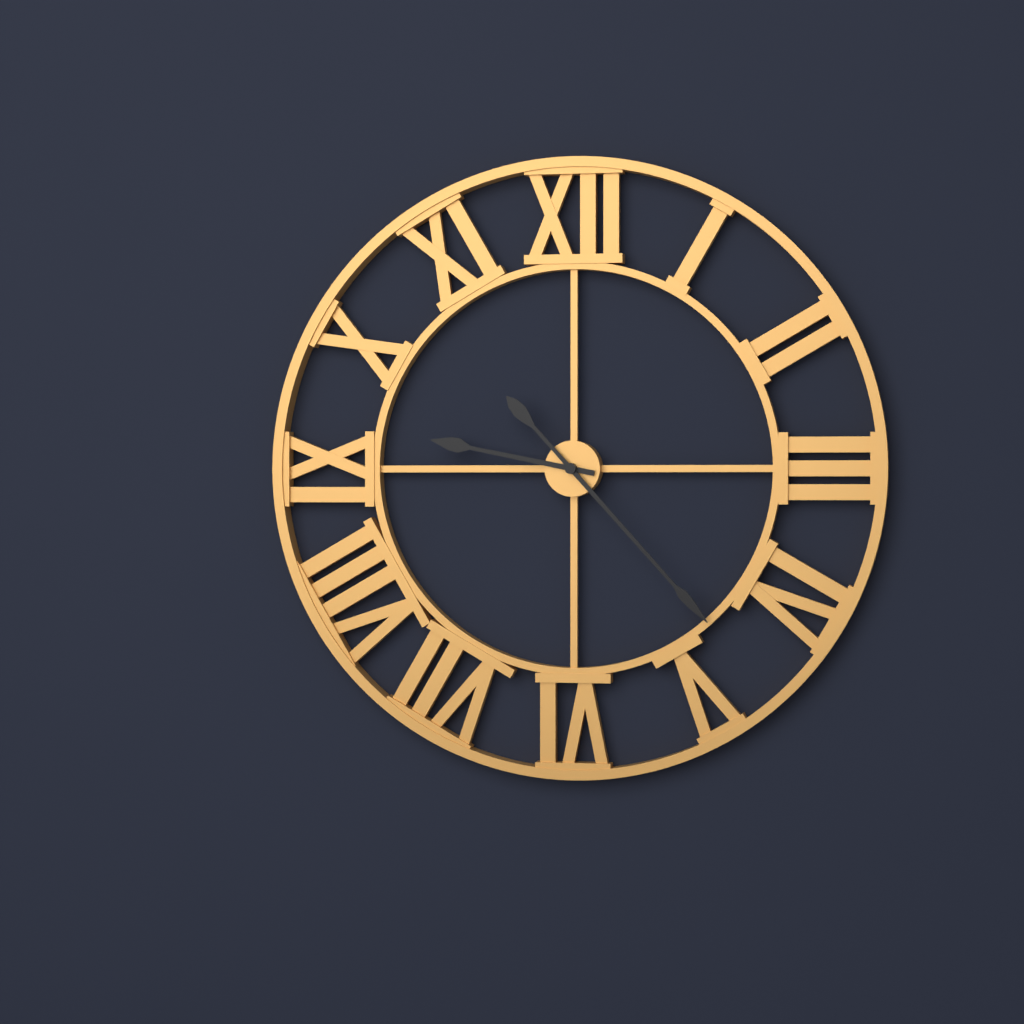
9:23
